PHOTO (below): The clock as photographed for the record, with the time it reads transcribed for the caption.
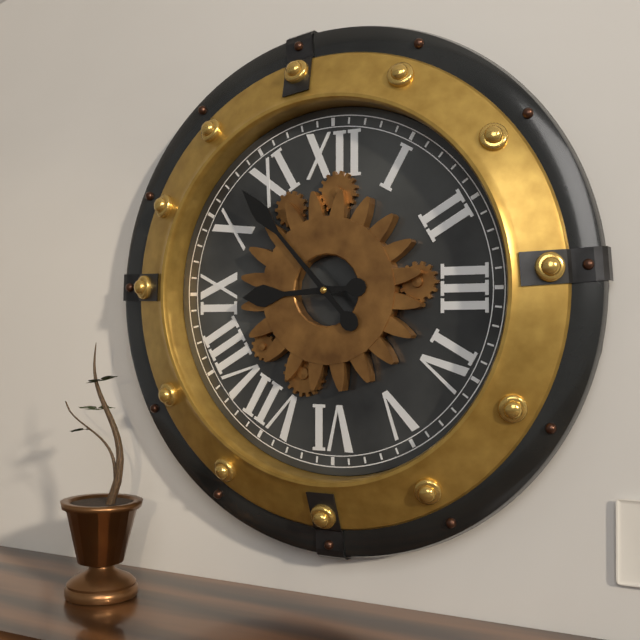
8:53
